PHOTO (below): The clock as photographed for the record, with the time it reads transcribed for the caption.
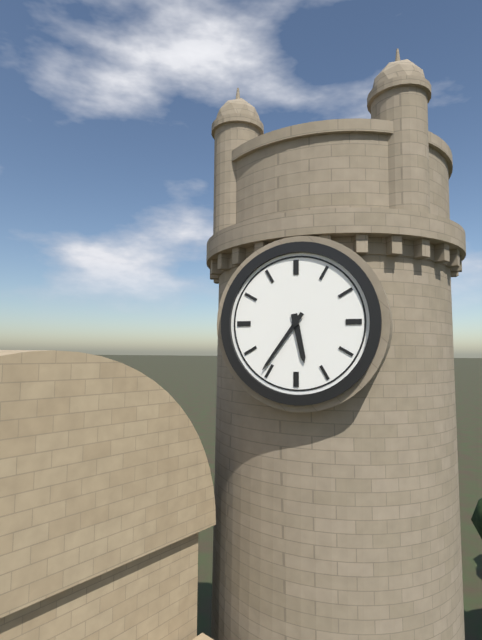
5:36
